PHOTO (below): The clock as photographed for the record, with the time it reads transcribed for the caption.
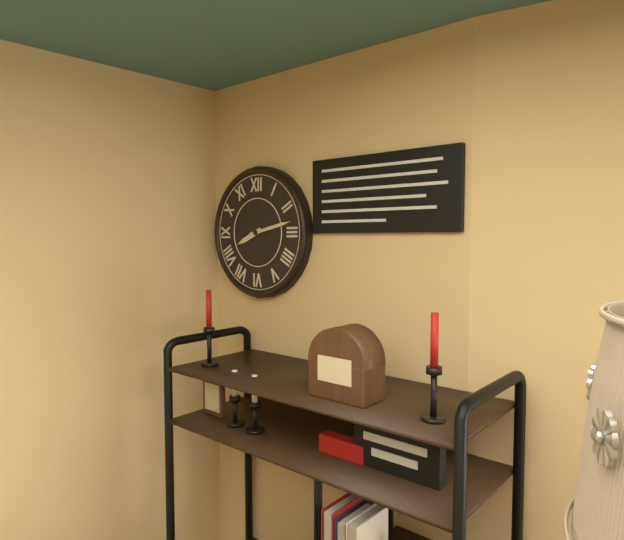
8:13
